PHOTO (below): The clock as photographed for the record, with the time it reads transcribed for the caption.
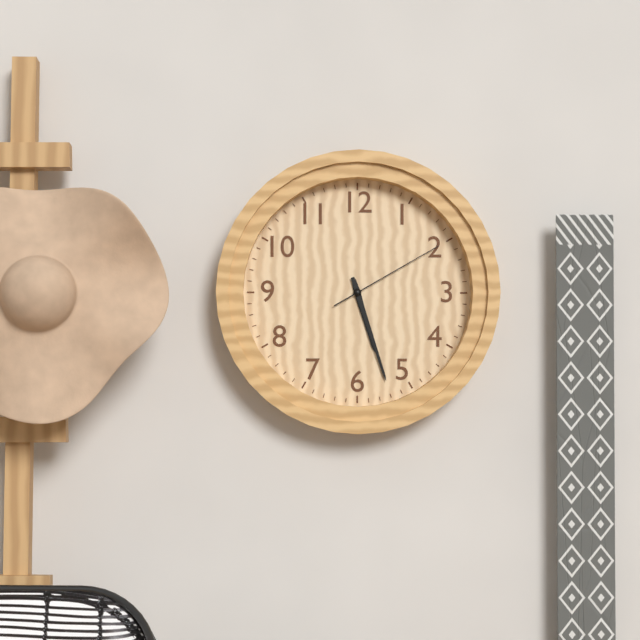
5:27:10
